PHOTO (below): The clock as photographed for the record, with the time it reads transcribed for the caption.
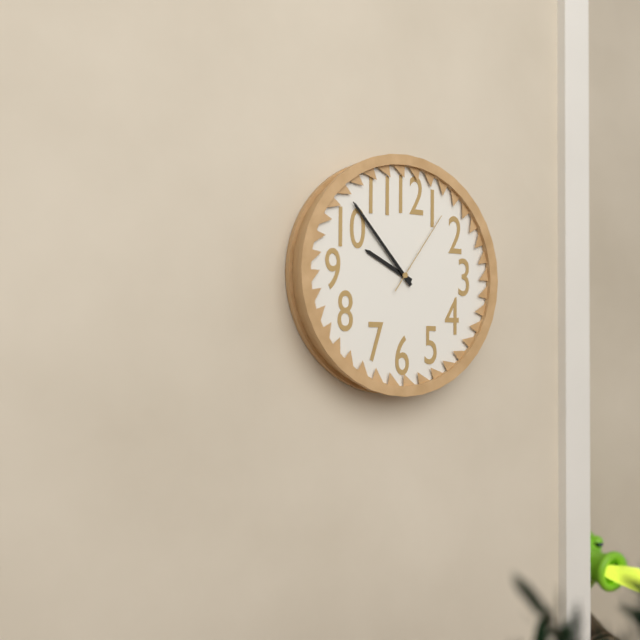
9:53:06
